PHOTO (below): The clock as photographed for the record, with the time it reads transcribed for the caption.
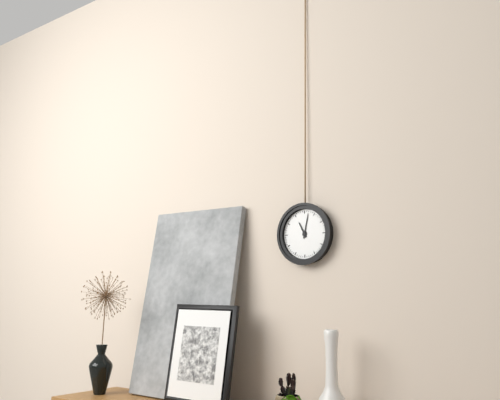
11:02
